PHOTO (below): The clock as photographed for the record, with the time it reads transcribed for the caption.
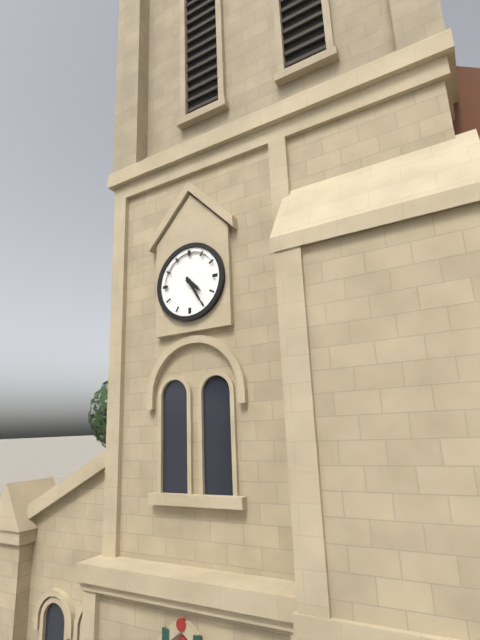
4:25
